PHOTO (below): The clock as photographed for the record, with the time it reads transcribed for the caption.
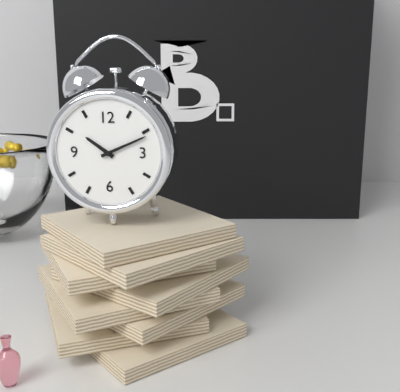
10:11
